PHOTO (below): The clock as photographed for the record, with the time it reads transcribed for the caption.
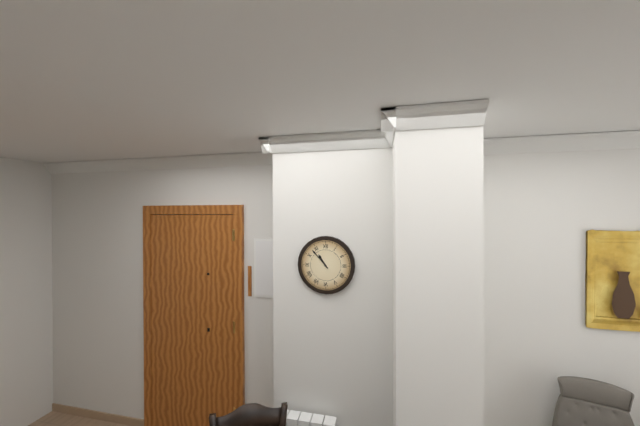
10:53
